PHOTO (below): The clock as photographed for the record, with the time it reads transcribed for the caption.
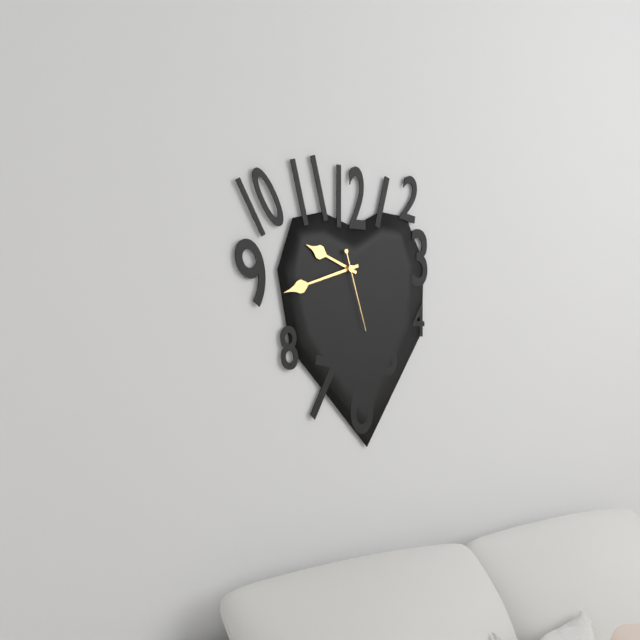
9:42:27
